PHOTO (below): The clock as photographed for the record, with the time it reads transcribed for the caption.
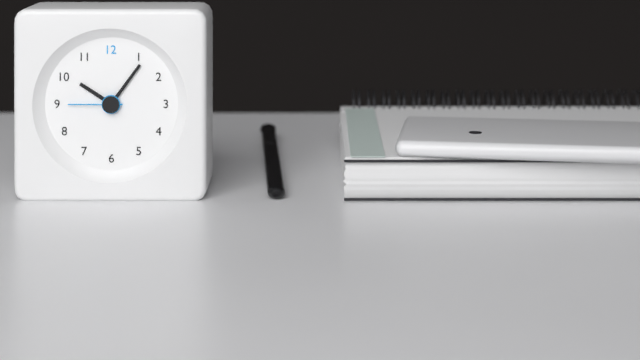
10:06:45
